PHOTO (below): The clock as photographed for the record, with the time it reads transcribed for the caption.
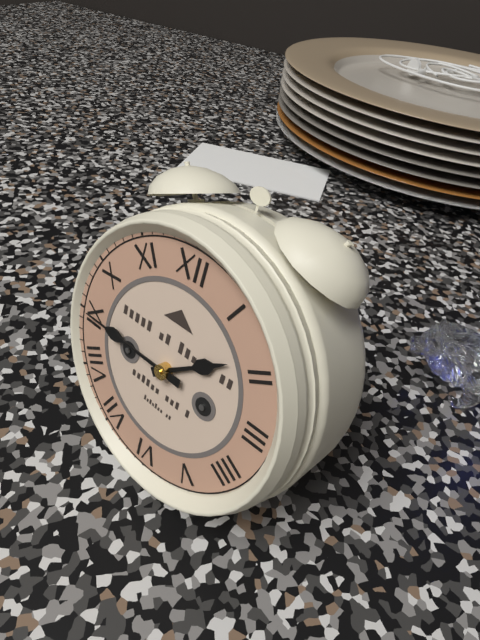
1:45
